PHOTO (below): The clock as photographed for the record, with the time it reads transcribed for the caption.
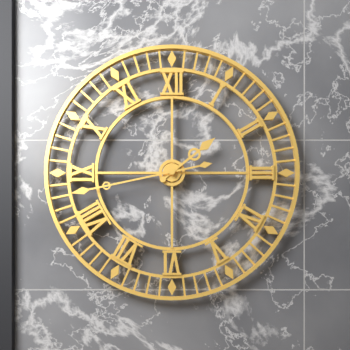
1:43
